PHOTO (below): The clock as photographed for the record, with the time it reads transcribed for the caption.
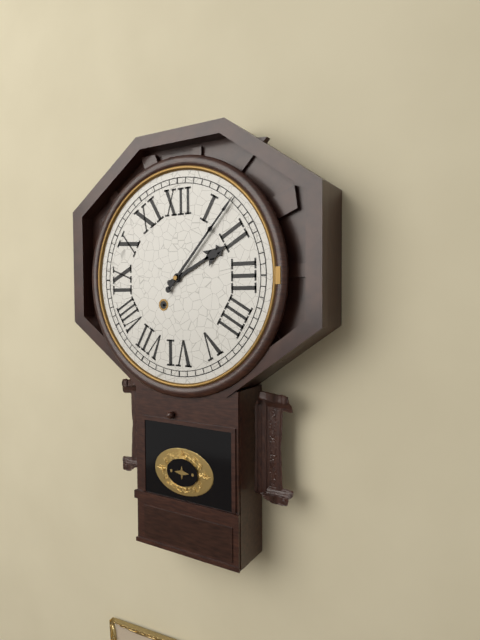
2:07
